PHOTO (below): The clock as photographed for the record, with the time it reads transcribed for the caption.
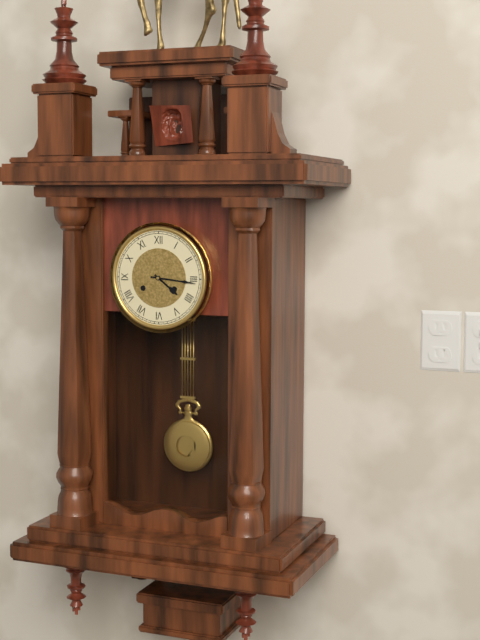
4:16
